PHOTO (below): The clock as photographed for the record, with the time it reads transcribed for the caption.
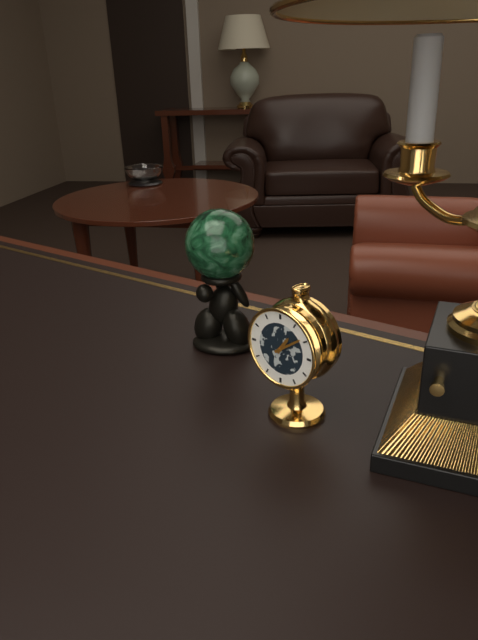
1:09
